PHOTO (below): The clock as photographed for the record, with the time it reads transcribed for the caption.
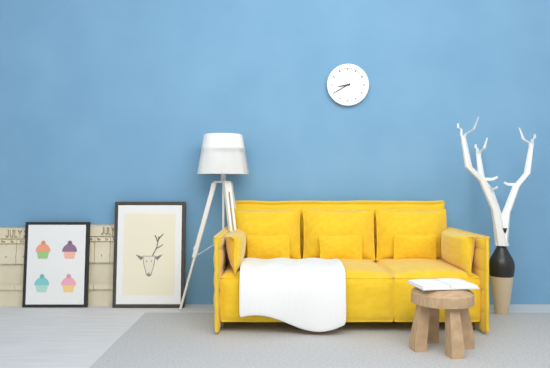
8:40
